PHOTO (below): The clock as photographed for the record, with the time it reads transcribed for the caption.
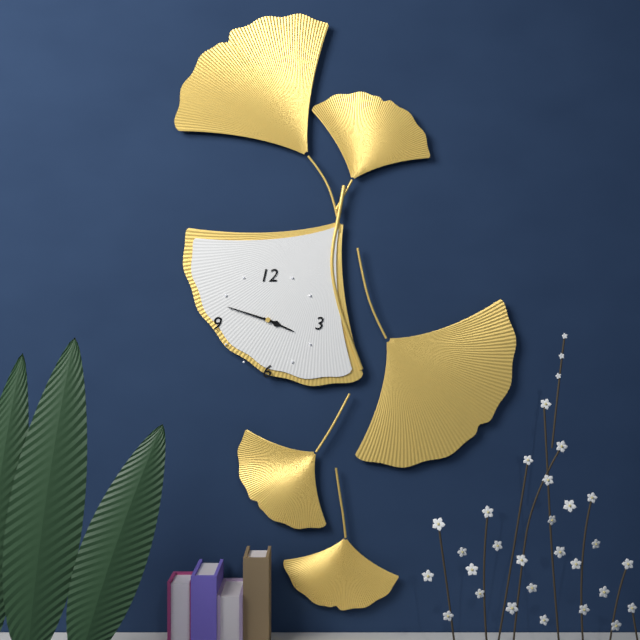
3:48
